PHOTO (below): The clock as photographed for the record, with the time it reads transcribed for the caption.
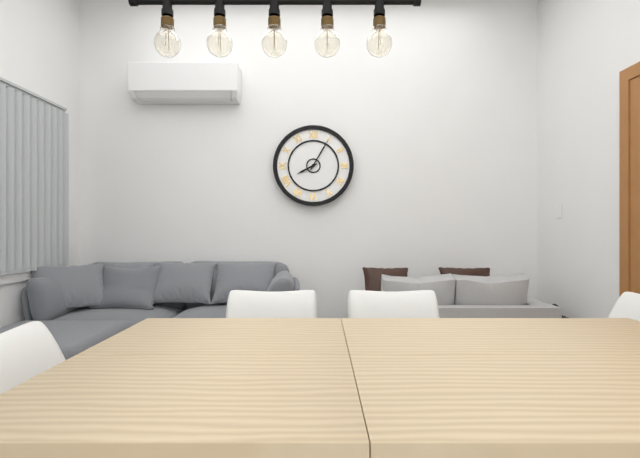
8:05
